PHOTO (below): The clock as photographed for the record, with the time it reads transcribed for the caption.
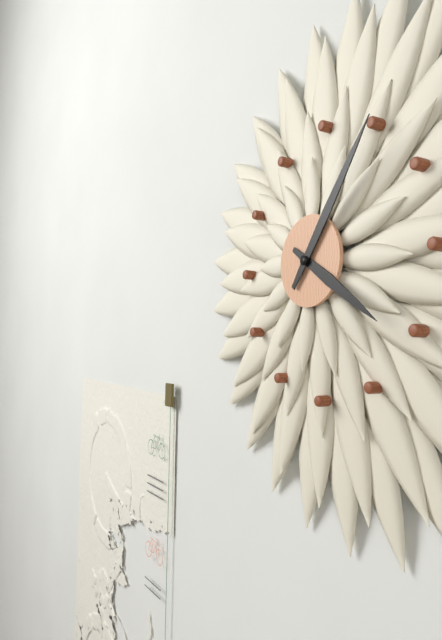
4:06
